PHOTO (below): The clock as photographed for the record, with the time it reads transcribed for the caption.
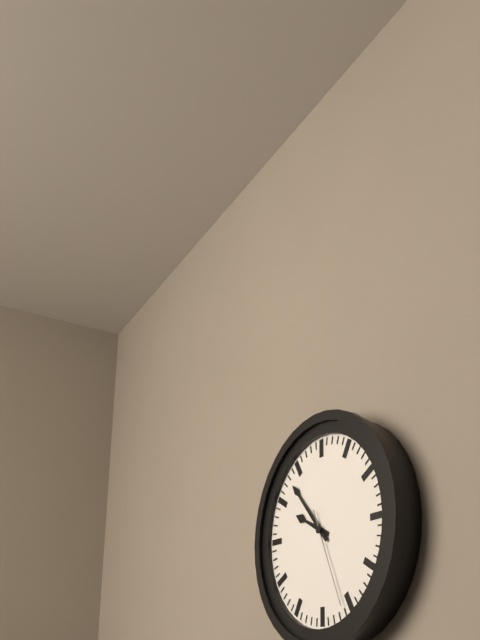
9:53:26
